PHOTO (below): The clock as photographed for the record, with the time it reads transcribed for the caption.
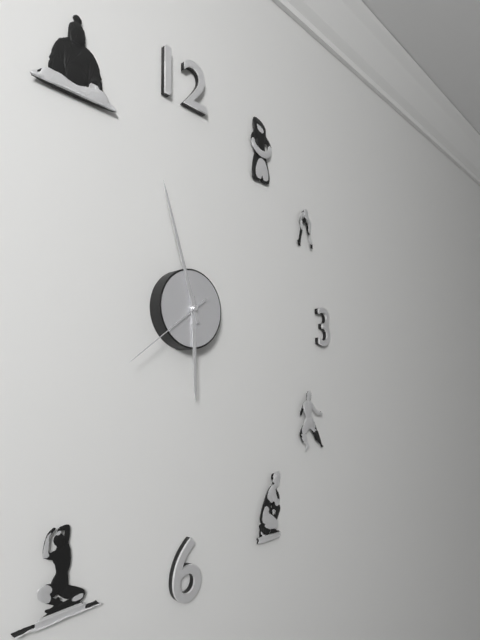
5:57:39
